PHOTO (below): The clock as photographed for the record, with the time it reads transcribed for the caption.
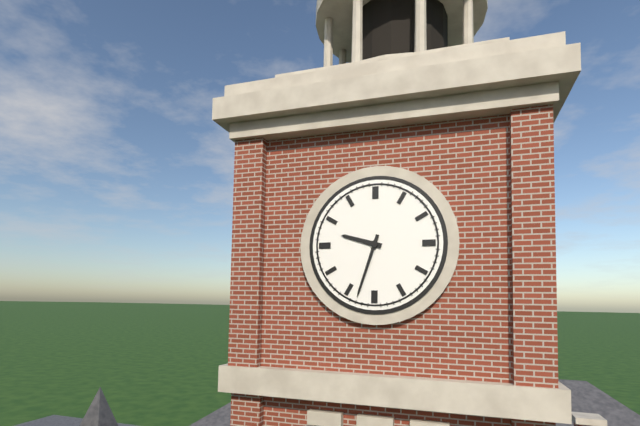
9:33
